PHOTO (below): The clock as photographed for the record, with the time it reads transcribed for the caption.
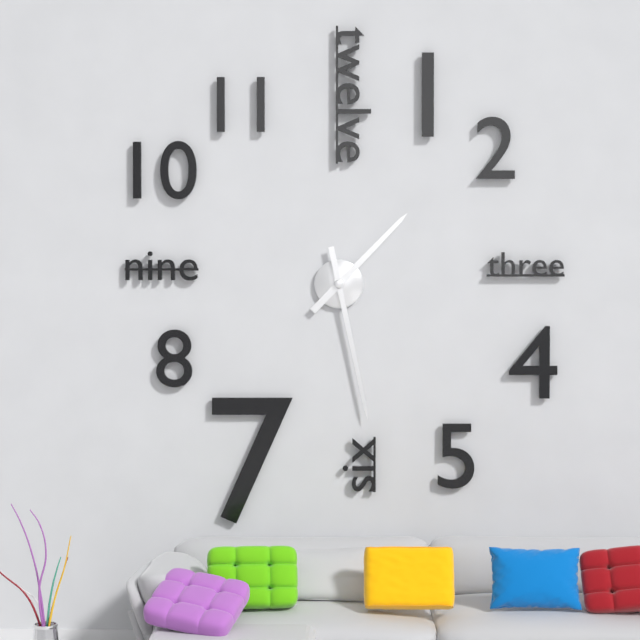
1:28
